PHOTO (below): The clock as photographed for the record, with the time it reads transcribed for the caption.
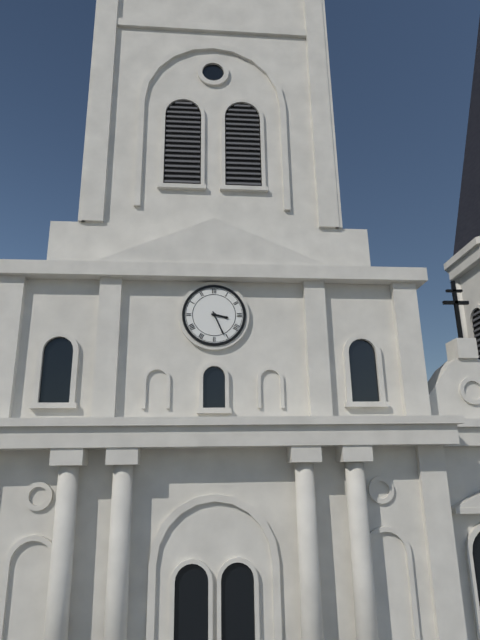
3:26
